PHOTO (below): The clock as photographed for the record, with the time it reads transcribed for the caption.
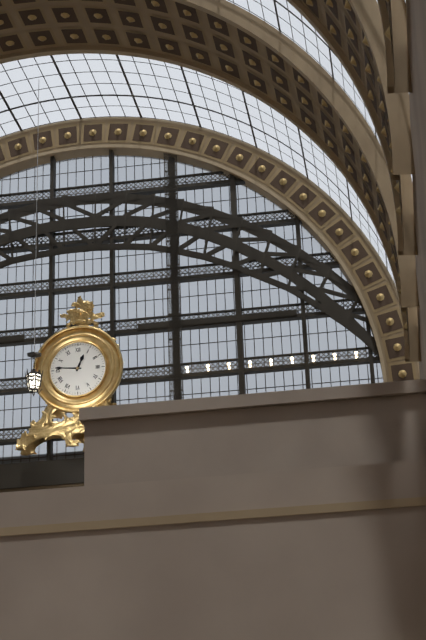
12:46
